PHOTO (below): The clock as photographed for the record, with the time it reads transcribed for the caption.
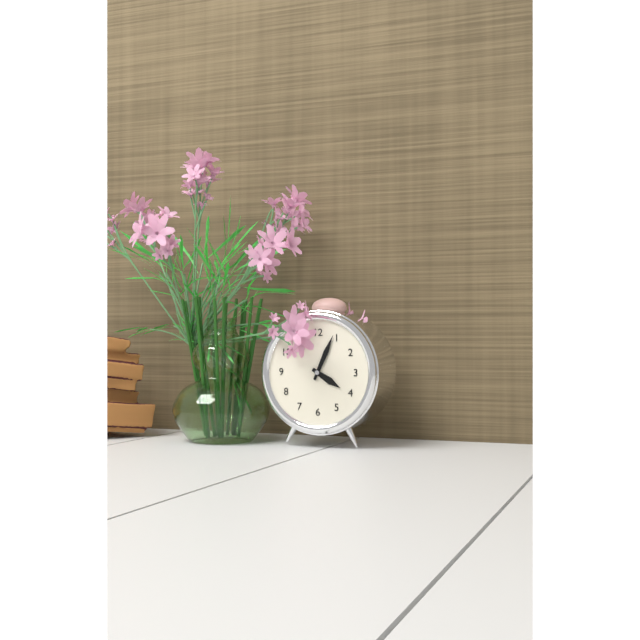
4:04
